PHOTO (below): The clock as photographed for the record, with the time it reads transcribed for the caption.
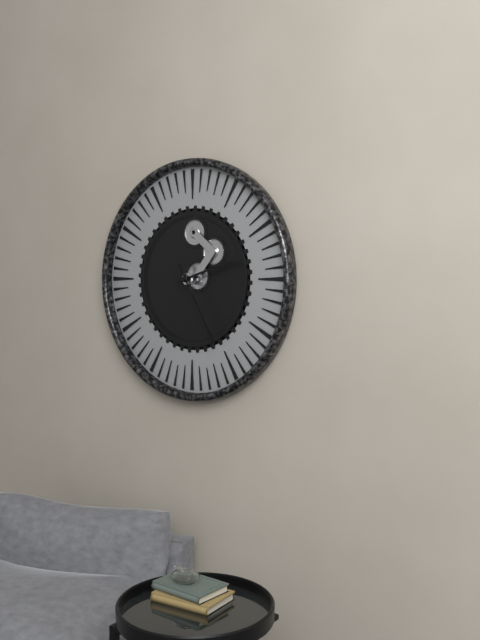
2:25
